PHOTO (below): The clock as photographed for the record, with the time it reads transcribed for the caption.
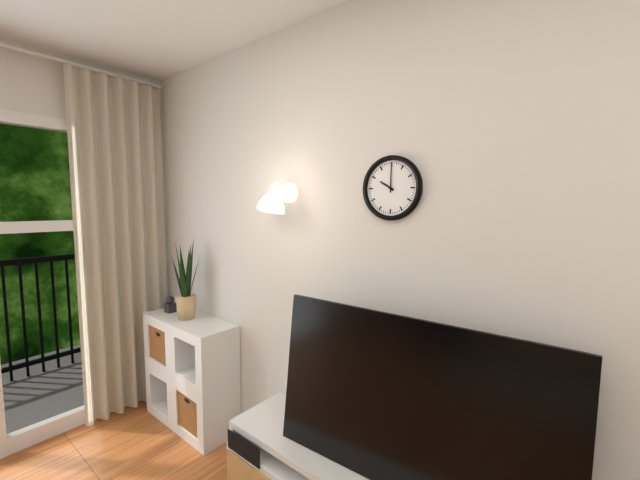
10:00
